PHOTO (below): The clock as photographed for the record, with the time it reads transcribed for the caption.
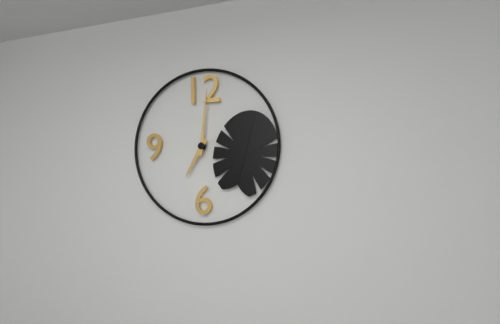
7:01
